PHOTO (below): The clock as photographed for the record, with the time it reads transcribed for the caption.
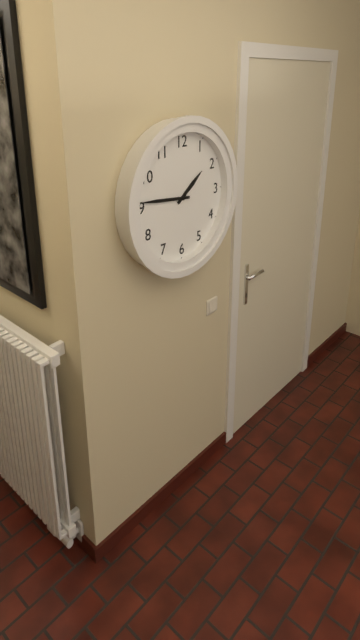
1:46
